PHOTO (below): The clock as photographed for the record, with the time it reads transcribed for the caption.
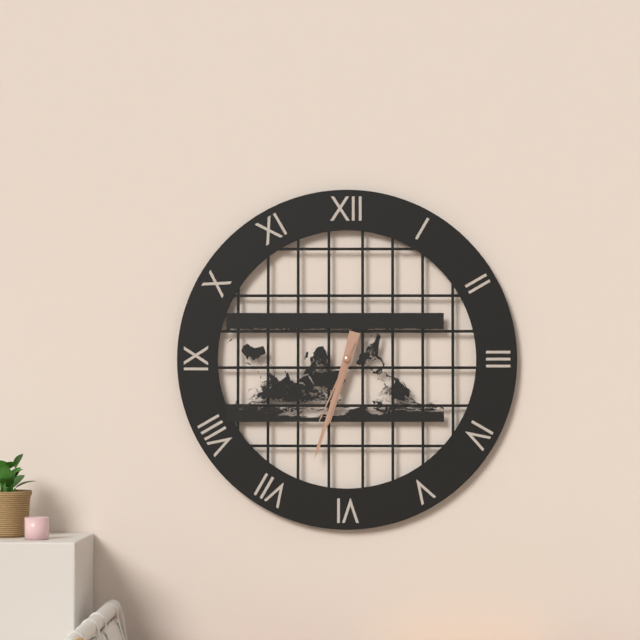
6:33:34
